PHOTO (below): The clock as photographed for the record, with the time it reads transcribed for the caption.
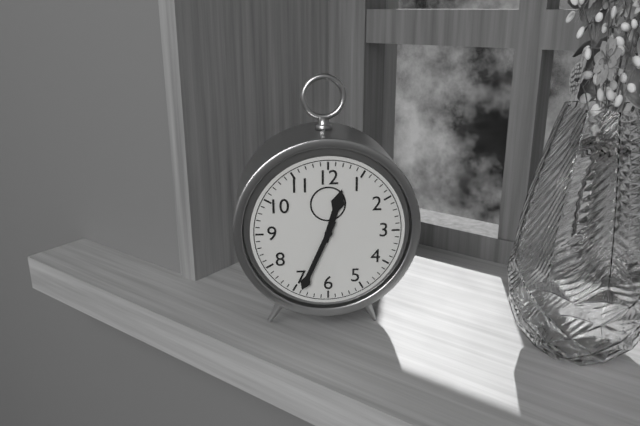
12:34
